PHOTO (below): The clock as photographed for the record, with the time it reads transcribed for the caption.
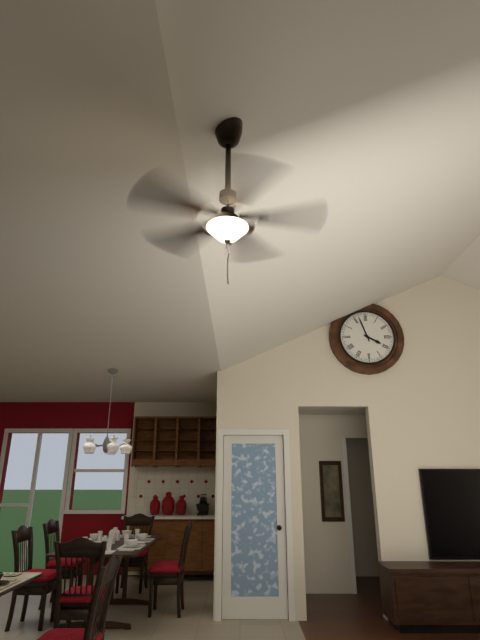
3:57
